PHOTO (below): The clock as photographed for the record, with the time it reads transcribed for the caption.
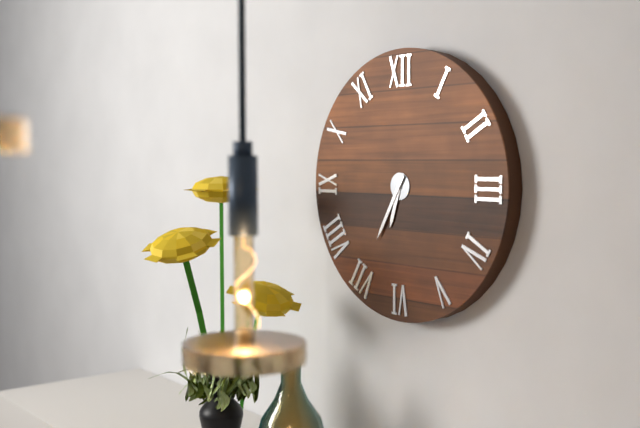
6:35
